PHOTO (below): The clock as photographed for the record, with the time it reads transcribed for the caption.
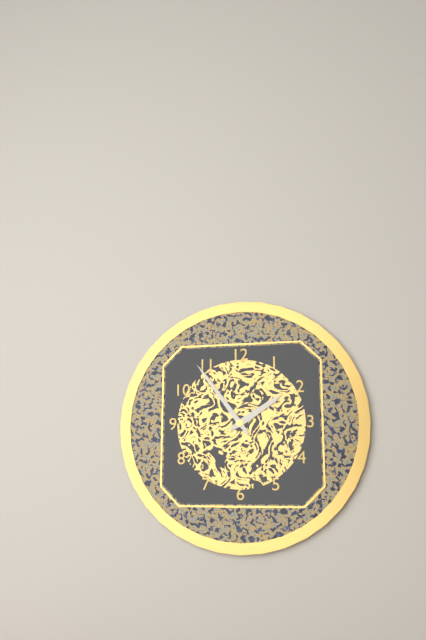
1:54
